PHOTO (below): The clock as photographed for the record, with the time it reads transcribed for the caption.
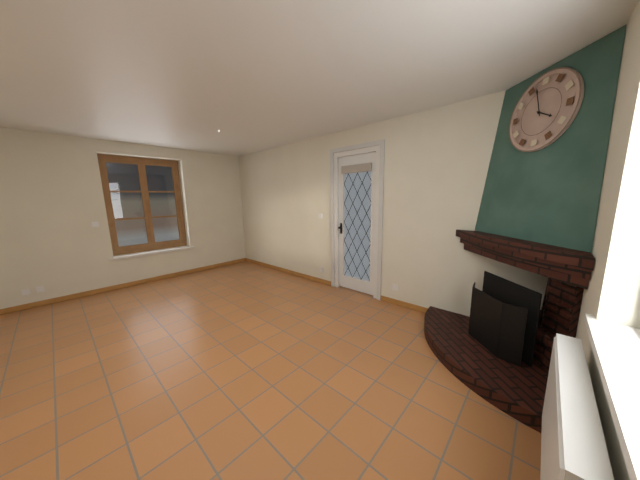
3:57
